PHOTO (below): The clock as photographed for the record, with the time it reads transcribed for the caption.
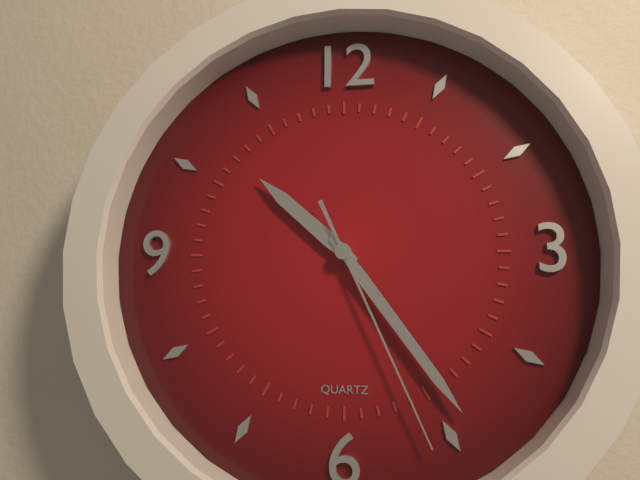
10:24:26
